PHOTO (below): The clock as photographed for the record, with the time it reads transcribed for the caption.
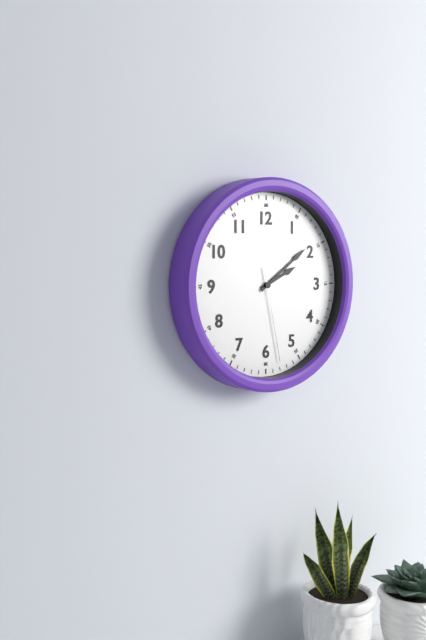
2:09:28
